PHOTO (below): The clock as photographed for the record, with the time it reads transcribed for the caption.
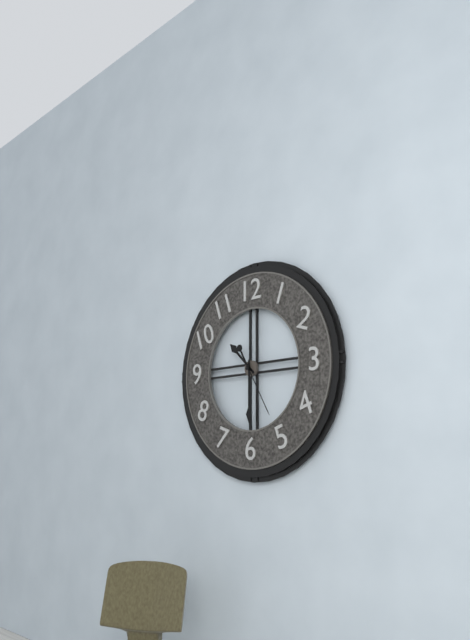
10:30:25
